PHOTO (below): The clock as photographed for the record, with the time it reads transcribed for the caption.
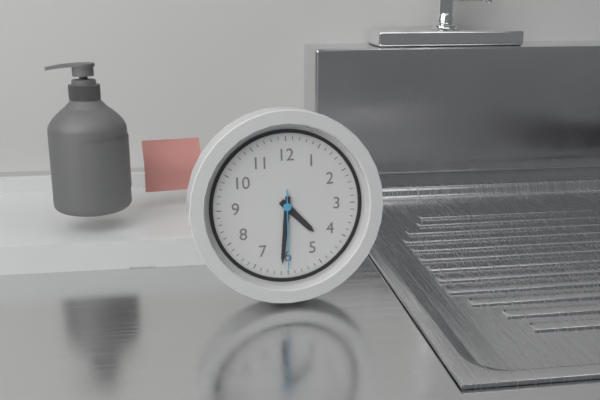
4:31:30
